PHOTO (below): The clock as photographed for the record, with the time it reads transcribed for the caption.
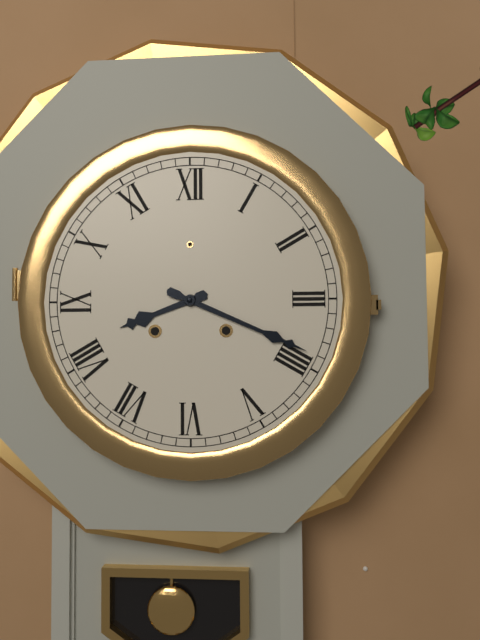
8:19
